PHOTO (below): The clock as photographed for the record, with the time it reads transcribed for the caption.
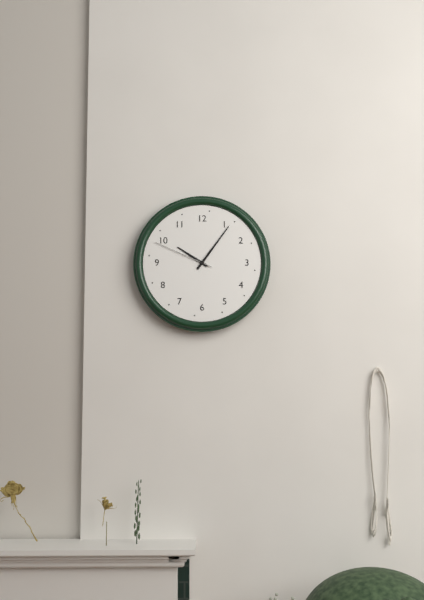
10:06:49
